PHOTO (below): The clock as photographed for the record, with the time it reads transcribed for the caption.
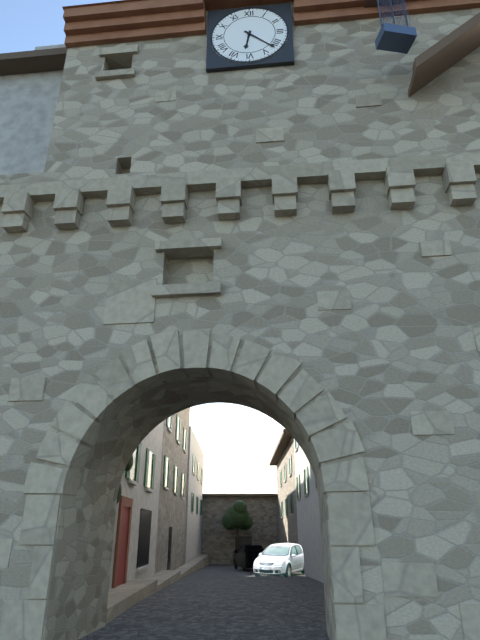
6:22
